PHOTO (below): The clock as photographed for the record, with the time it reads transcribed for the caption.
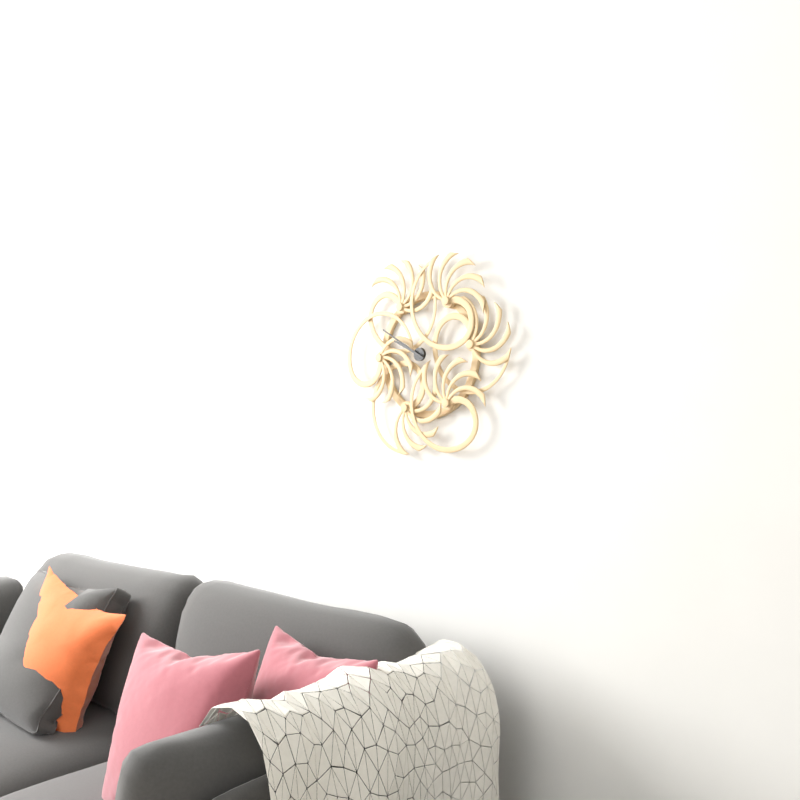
9:50
